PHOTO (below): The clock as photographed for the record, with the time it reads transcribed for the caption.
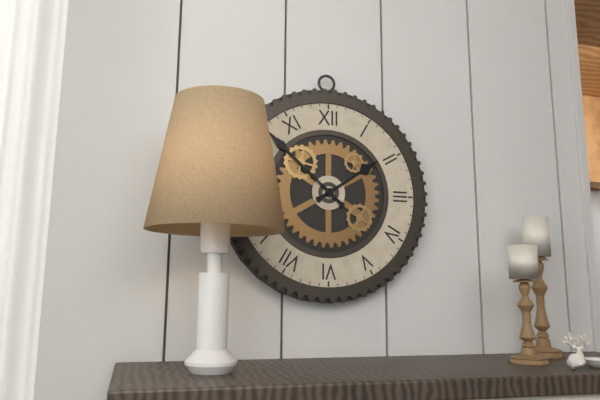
1:52
